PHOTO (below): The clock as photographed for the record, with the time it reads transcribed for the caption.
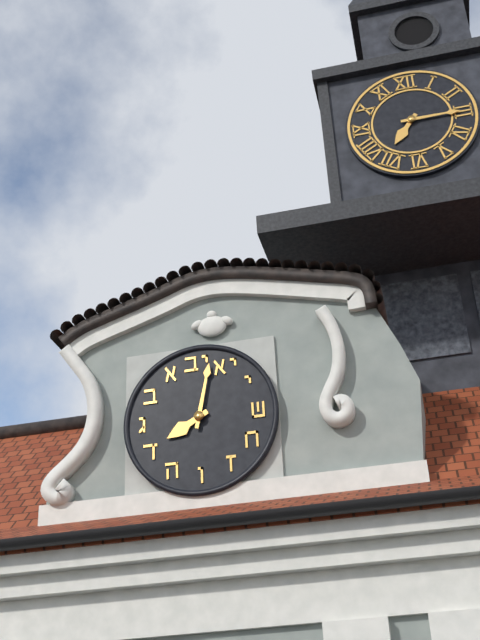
8:02
